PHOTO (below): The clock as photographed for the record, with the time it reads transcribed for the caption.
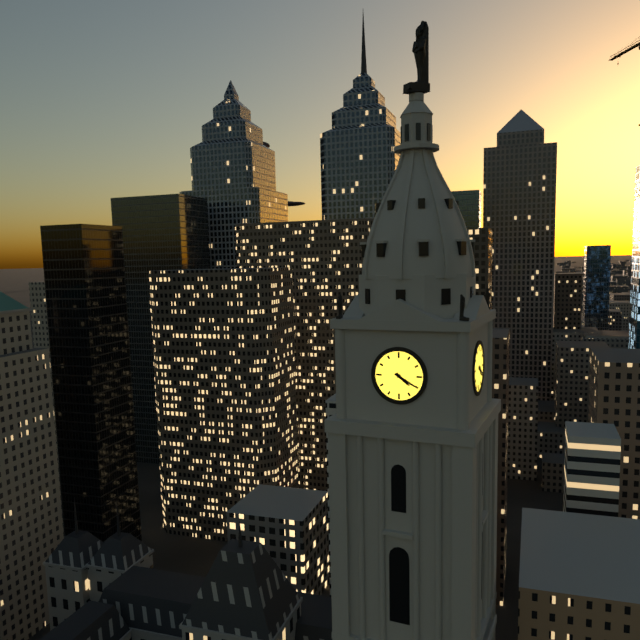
4:20
